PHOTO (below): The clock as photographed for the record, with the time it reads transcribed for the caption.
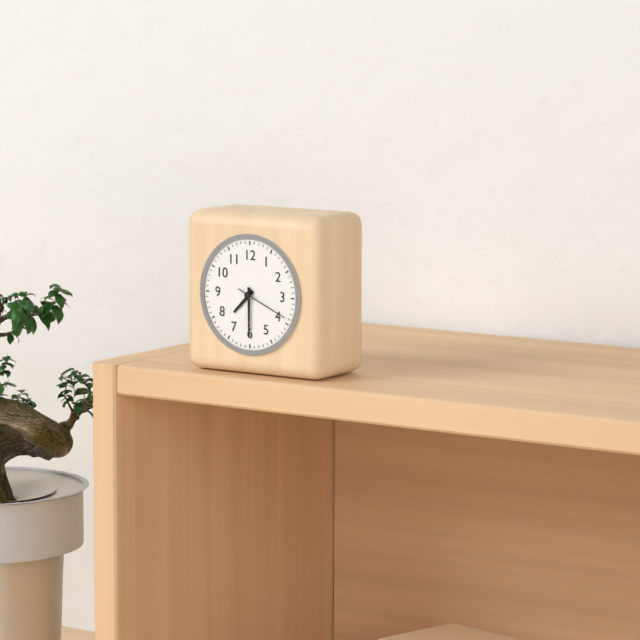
7:30:19
